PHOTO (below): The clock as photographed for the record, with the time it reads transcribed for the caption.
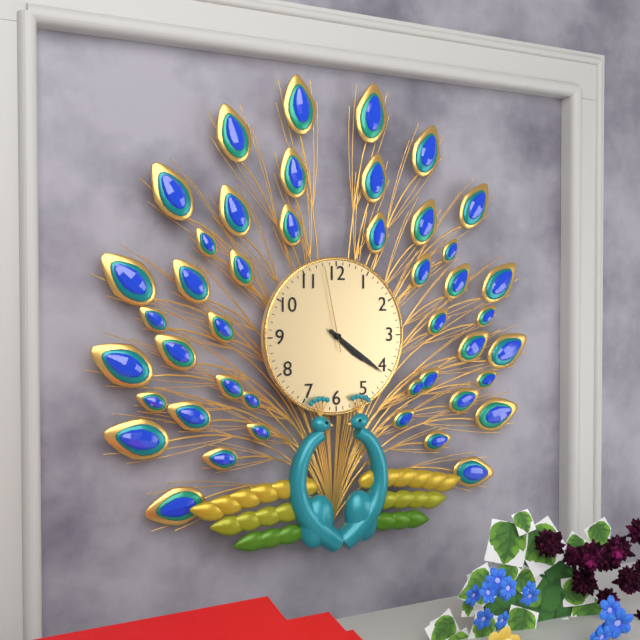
4:21:58
